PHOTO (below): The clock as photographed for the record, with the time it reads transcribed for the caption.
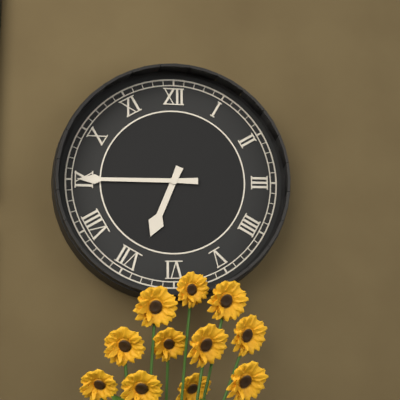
6:45
